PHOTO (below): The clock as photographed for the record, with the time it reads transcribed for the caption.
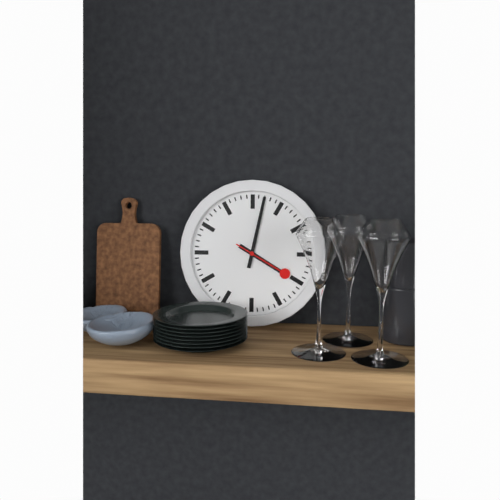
4:02:20
